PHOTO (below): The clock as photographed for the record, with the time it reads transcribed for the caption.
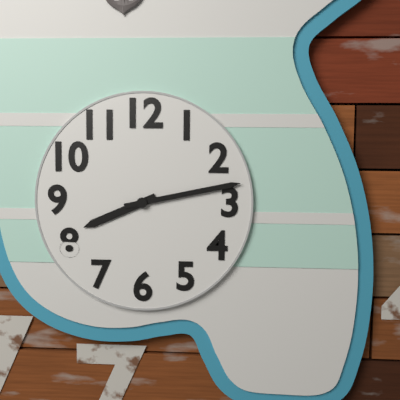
8:13
